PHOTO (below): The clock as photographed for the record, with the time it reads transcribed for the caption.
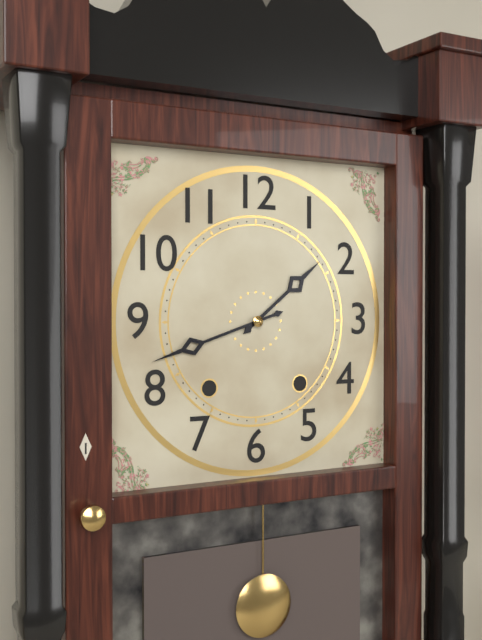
1:42
